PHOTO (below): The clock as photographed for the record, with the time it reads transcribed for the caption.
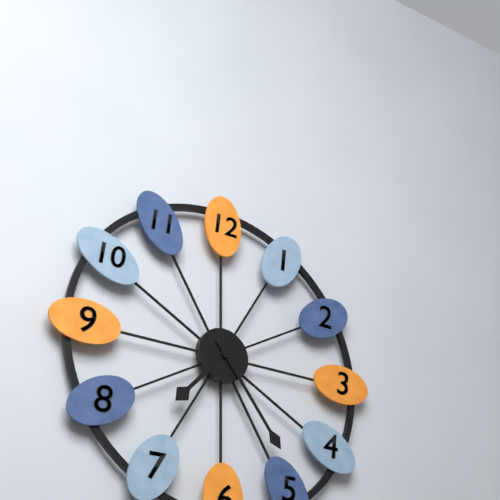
7:24
